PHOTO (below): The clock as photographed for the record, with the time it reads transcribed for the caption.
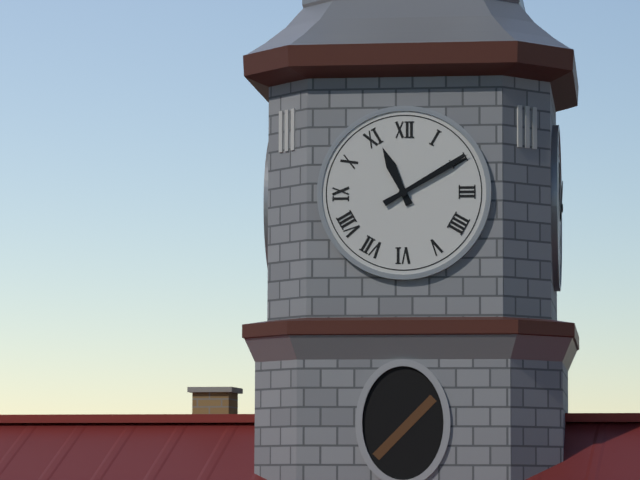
11:10
